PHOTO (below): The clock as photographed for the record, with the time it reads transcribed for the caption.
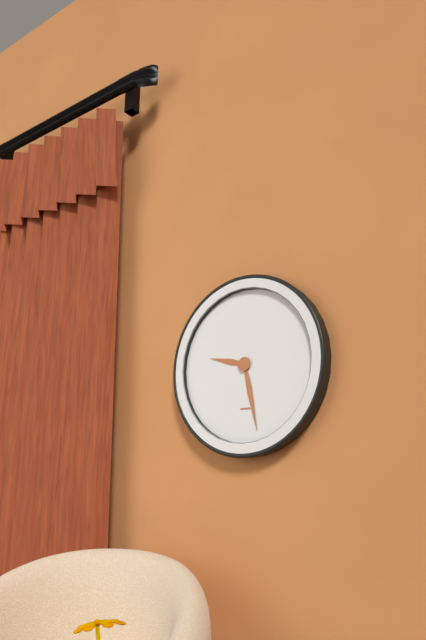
9:28
